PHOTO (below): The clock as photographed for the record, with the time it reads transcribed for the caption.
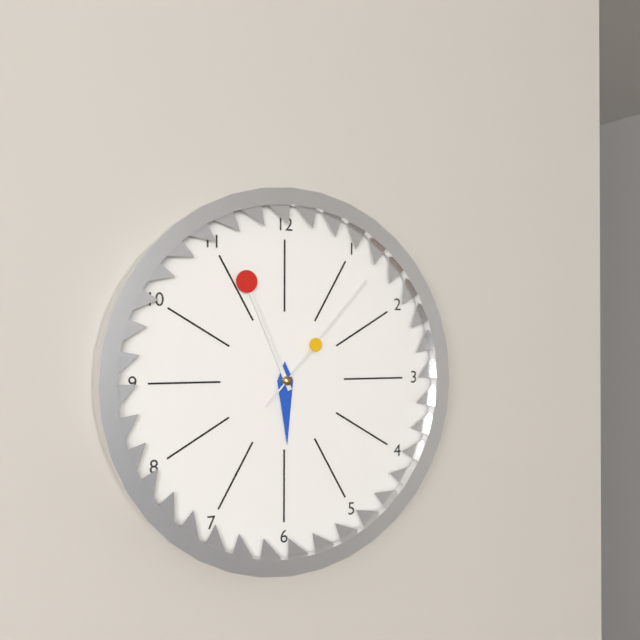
5:56:07
